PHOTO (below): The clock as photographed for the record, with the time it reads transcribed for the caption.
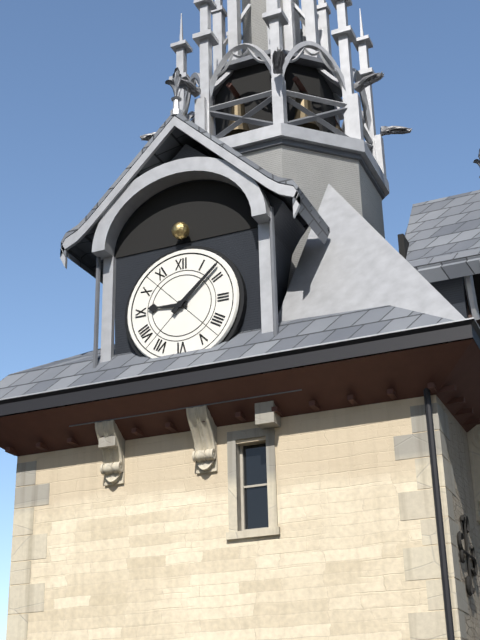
9:08
